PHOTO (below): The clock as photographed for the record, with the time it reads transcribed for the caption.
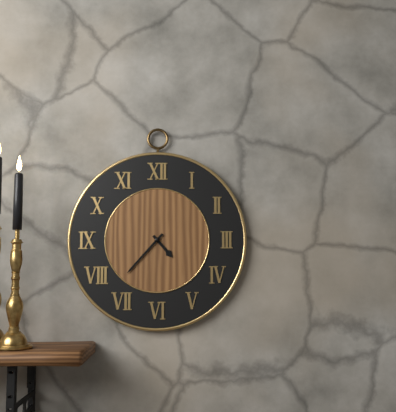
4:37
